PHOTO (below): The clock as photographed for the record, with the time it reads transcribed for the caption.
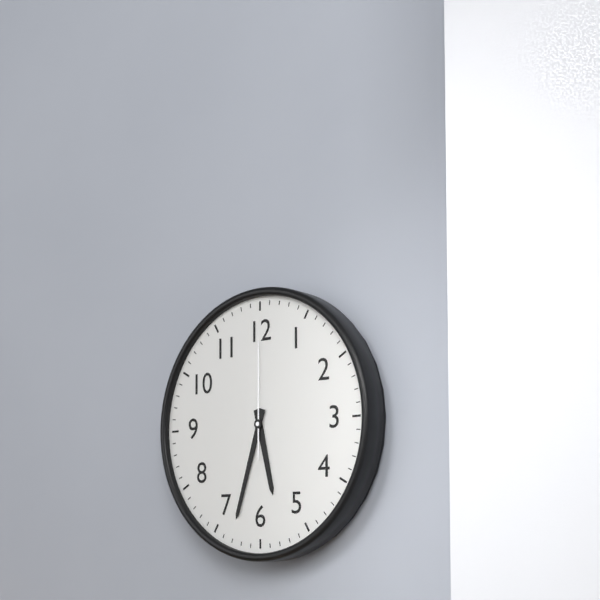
5:33:00
